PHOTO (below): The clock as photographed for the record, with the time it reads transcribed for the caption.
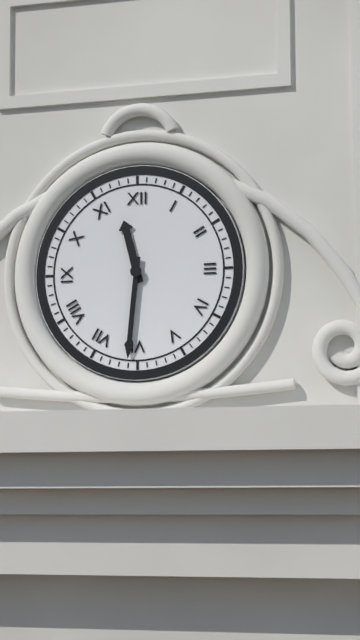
11:31
